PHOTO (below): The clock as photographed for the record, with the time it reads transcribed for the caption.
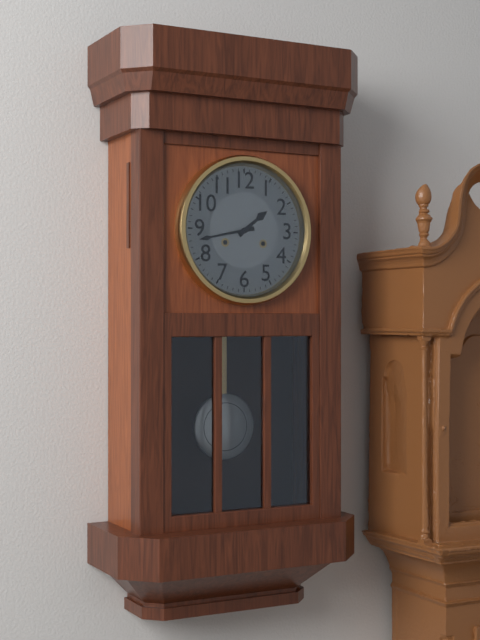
1:43
